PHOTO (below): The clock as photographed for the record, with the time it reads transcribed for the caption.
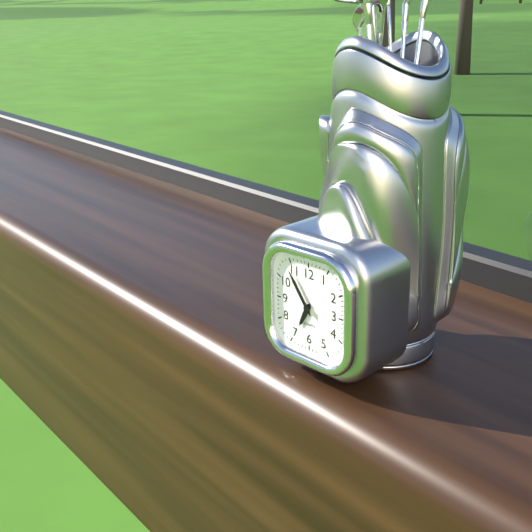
6:54
